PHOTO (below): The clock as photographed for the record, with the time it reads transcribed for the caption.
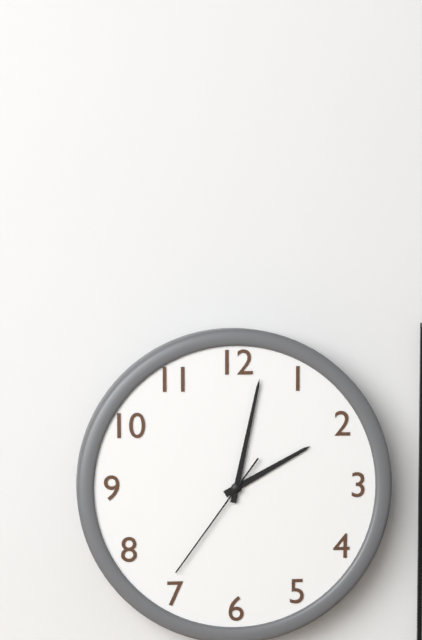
2:02:36
